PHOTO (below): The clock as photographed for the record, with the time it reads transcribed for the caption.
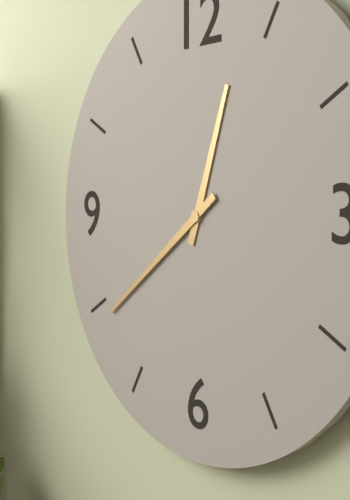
12:39
